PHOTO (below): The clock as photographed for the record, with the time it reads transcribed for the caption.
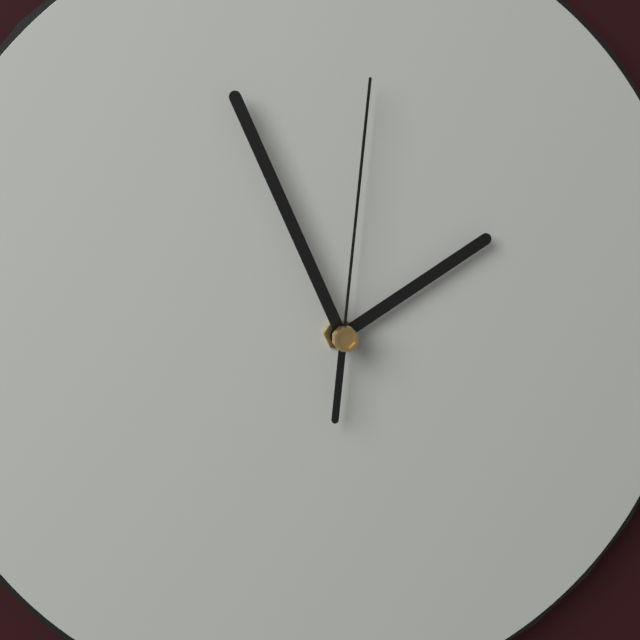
1:56:01
